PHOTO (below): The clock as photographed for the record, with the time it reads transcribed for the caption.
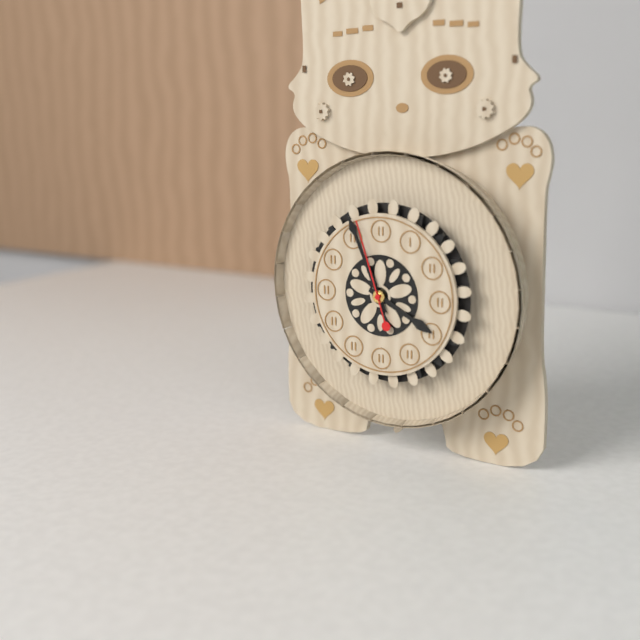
3:56:57
